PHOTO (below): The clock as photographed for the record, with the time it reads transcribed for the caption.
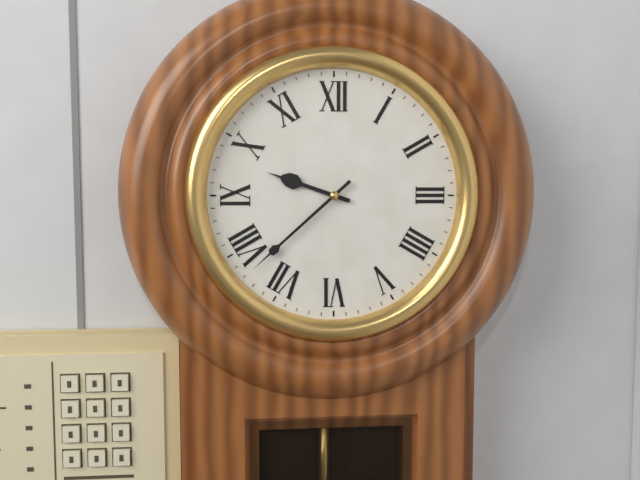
9:38
